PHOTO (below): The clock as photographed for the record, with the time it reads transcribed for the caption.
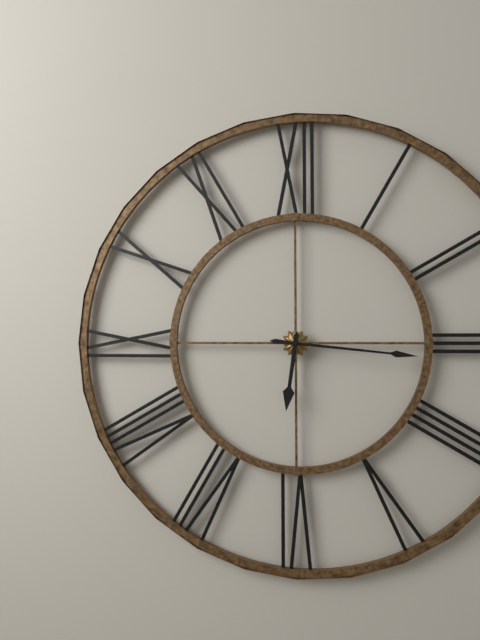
6:16
